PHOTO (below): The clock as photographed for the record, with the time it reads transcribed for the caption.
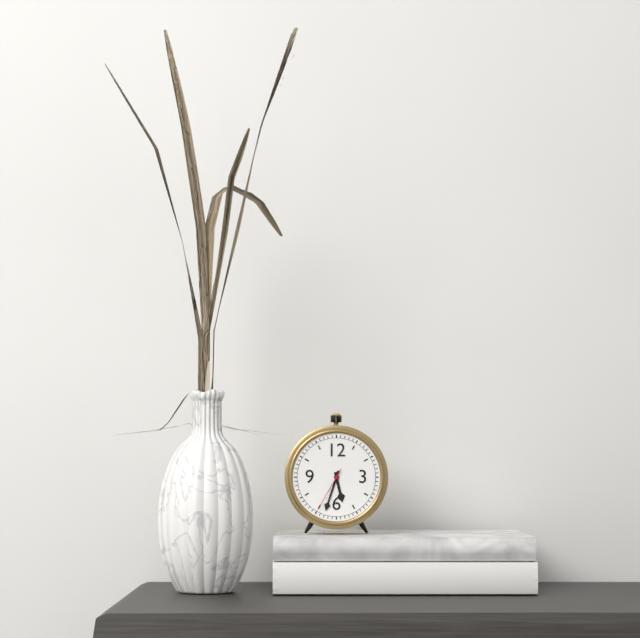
5:33
